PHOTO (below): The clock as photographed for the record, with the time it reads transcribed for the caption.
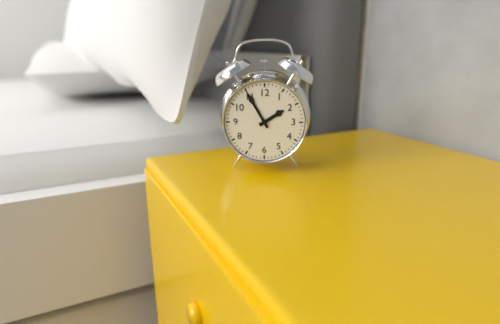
1:55
